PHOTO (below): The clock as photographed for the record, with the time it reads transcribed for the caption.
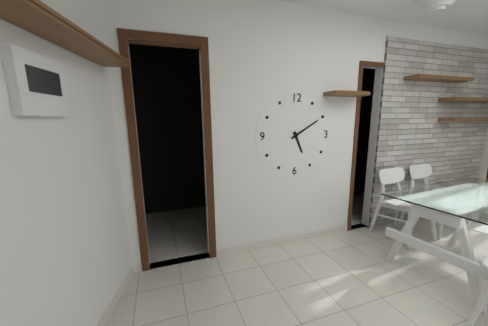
5:10
